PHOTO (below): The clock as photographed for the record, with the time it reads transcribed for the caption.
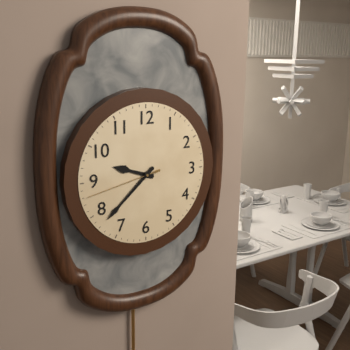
9:38:43
